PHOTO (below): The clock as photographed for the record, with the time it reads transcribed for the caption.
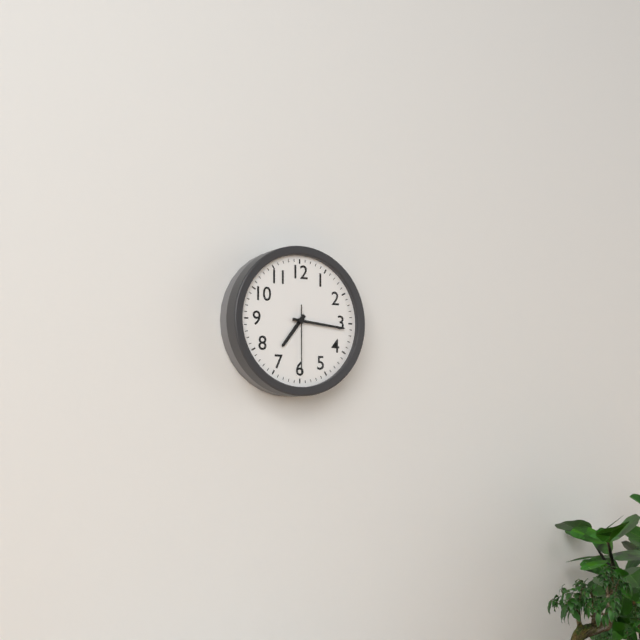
7:16:30
